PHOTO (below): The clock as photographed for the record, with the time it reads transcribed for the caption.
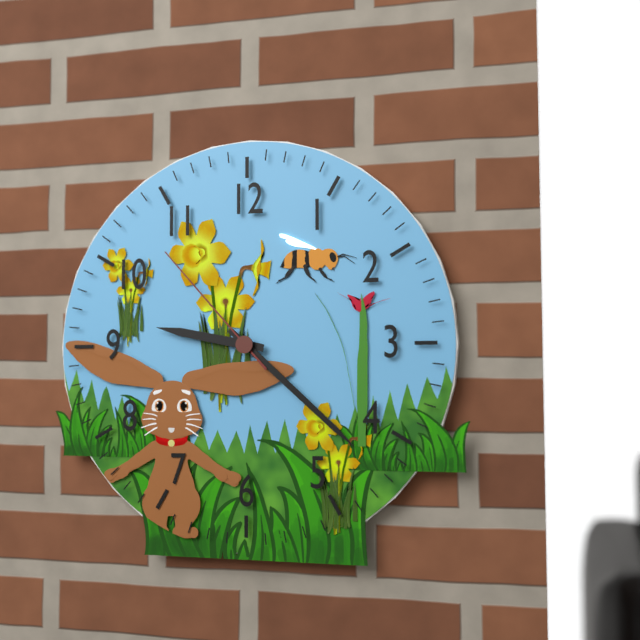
9:22:53
